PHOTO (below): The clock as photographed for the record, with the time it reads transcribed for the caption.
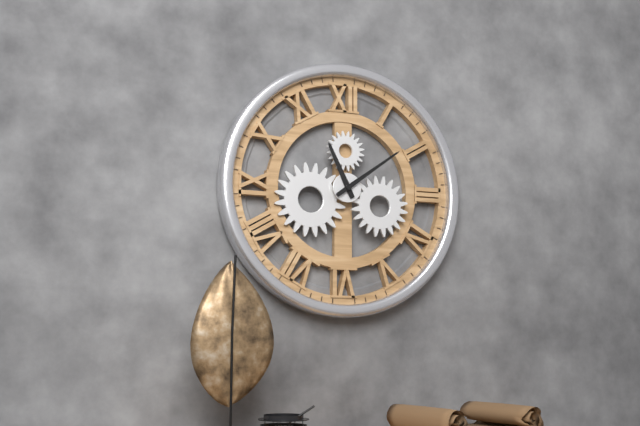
11:09
